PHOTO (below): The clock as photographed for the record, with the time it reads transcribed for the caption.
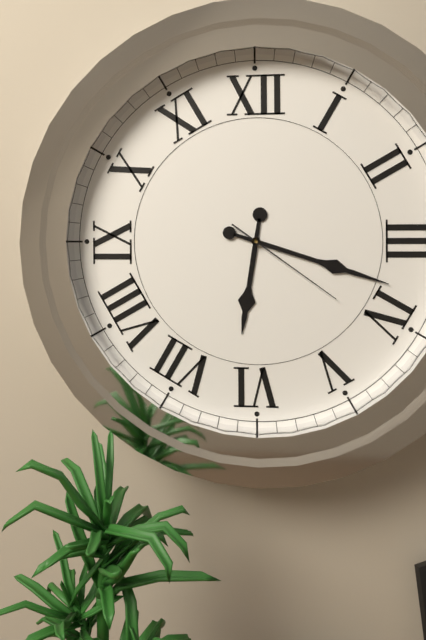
6:18:21
